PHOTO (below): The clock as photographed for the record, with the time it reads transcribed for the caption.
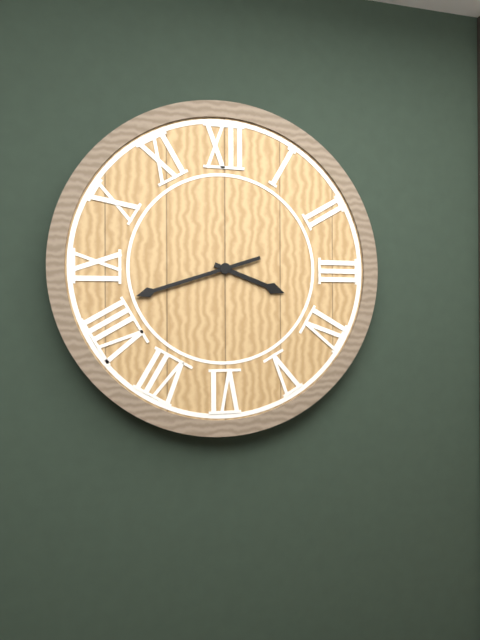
3:42
